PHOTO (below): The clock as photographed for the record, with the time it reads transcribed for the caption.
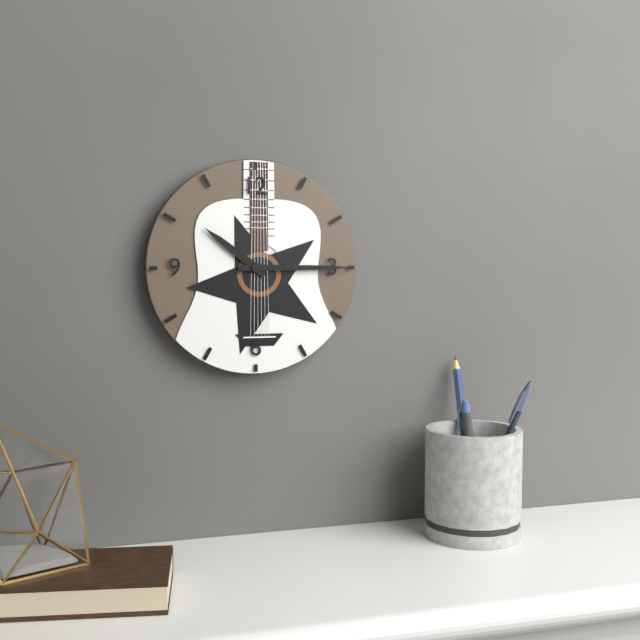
10:15
